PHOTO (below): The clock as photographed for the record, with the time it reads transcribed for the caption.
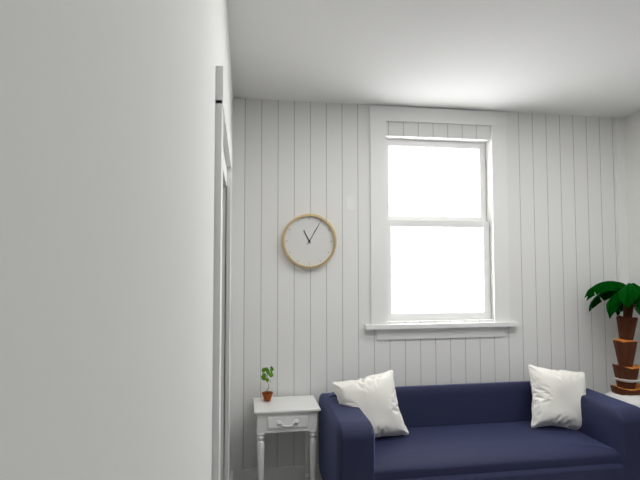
11:05
